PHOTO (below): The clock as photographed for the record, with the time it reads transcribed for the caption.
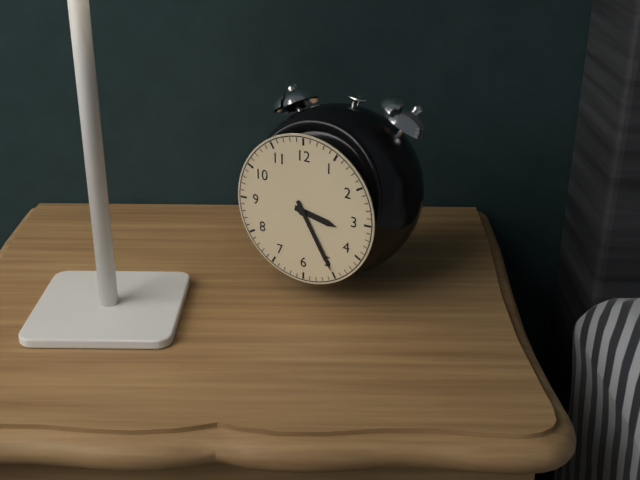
3:25
